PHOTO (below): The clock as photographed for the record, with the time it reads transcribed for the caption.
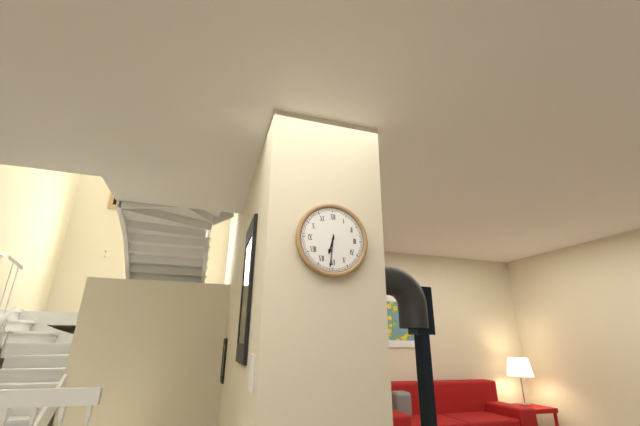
6:31
